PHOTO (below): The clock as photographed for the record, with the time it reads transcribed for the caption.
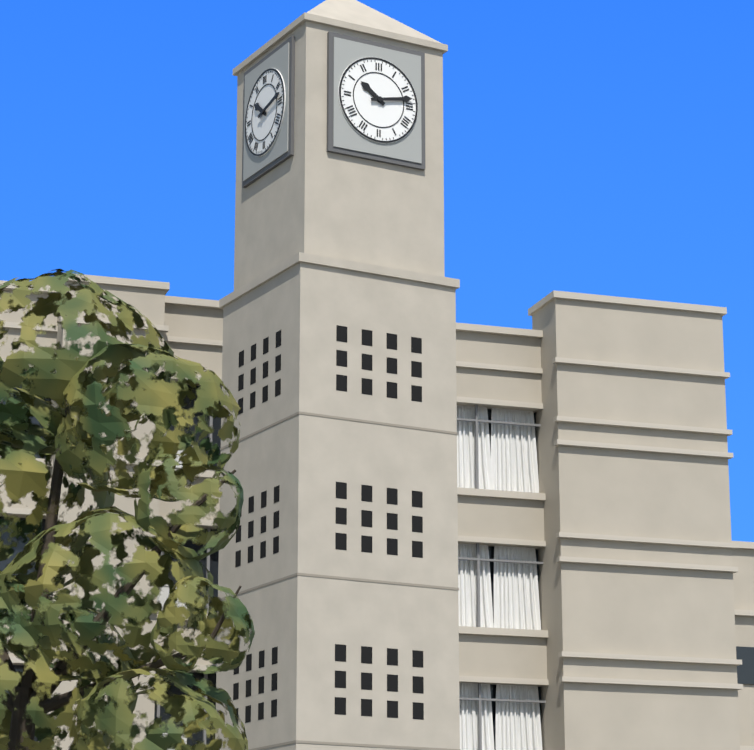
10:13
